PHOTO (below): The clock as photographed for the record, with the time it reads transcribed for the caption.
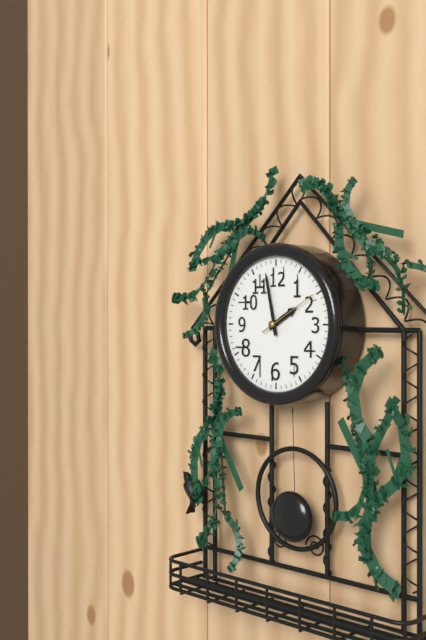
1:58:10
